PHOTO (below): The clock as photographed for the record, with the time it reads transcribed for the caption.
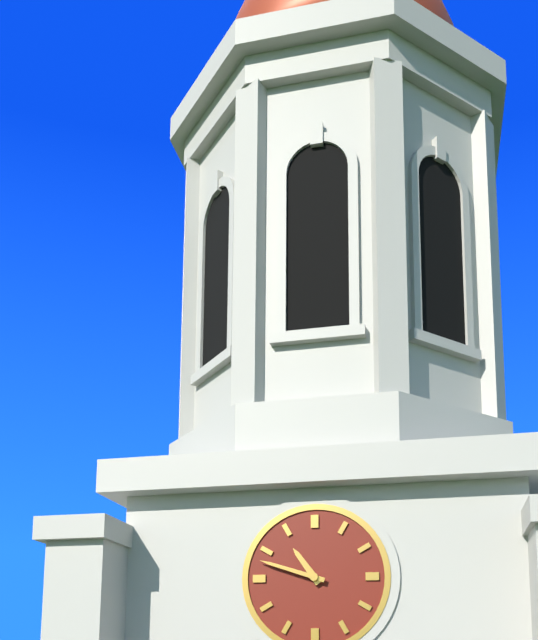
10:48
